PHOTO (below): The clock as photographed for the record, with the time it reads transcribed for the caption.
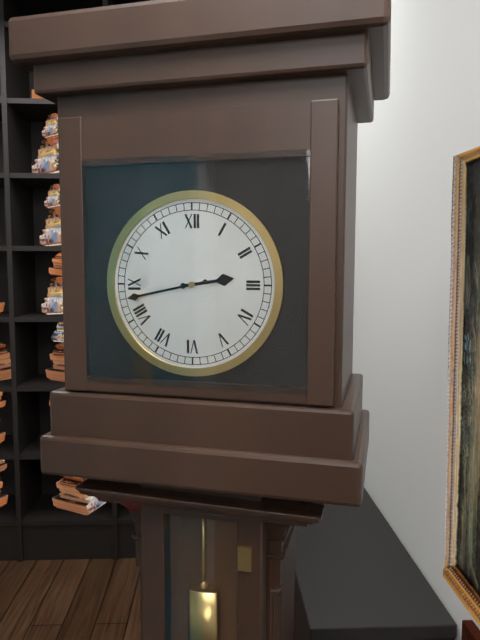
2:43
